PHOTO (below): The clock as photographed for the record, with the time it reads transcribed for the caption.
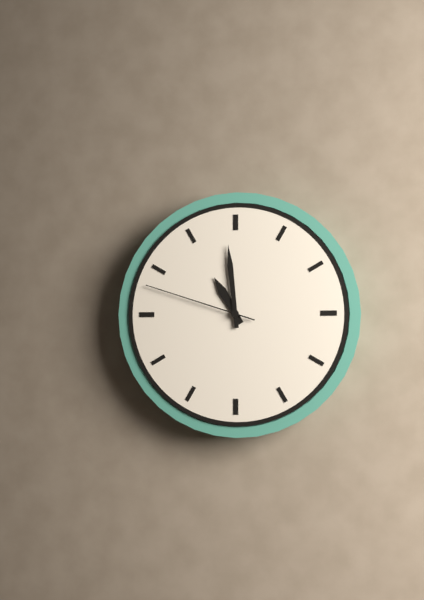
10:59:48
